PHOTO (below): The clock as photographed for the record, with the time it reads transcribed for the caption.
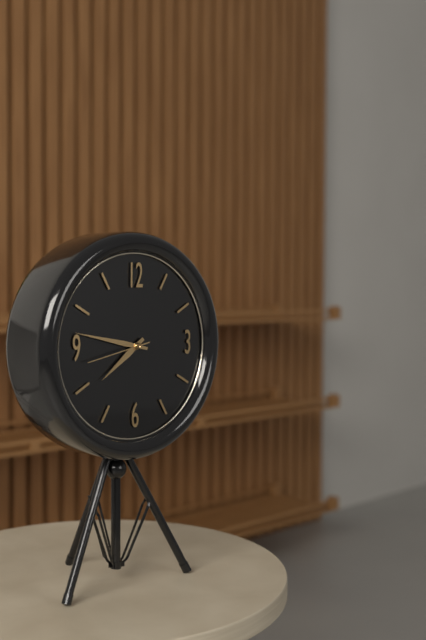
7:47:43
